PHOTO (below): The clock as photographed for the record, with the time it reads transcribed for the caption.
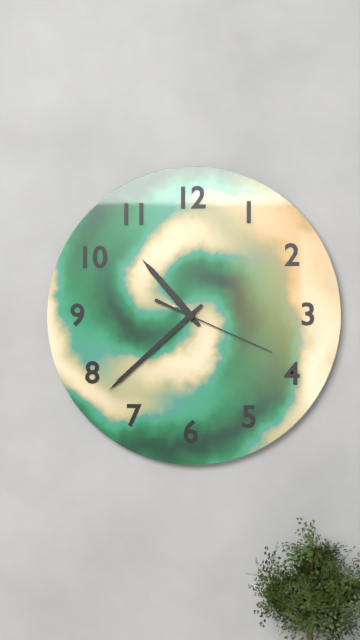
10:38:19
